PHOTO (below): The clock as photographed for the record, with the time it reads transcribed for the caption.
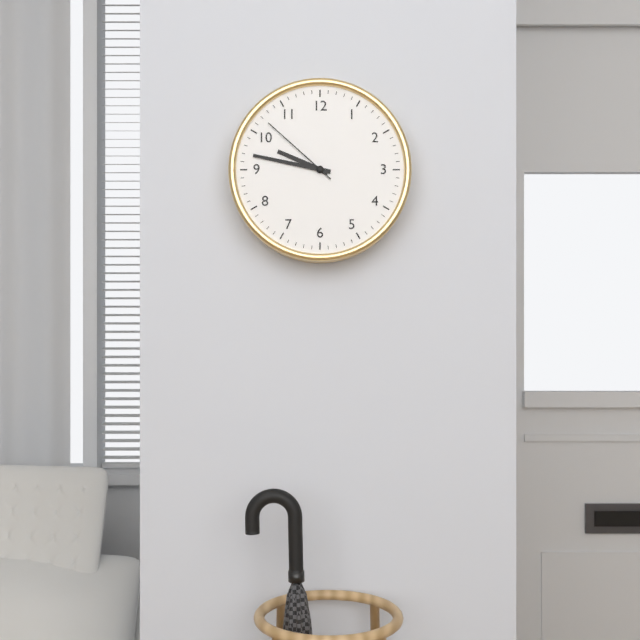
9:47:52
